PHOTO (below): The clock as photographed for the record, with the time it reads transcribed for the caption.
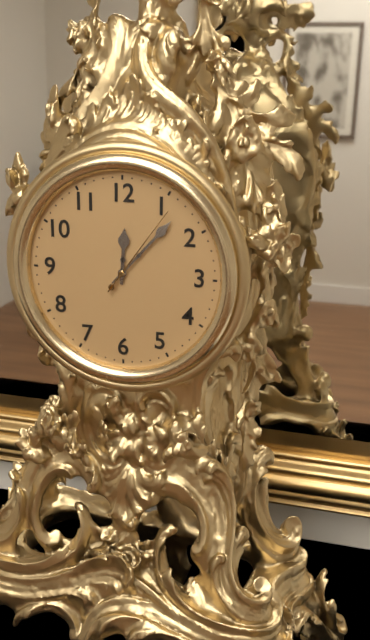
12:07:06
